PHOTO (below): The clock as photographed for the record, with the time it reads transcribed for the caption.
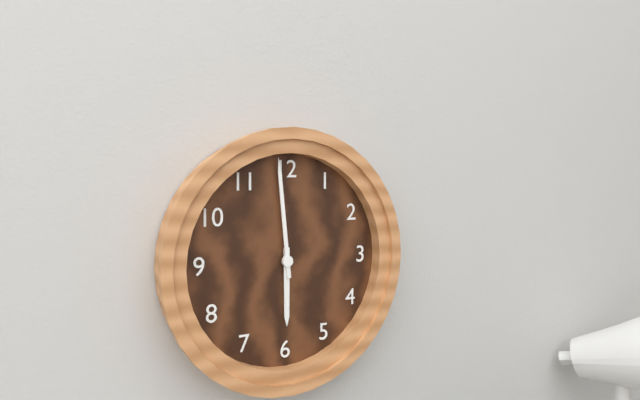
5:59
